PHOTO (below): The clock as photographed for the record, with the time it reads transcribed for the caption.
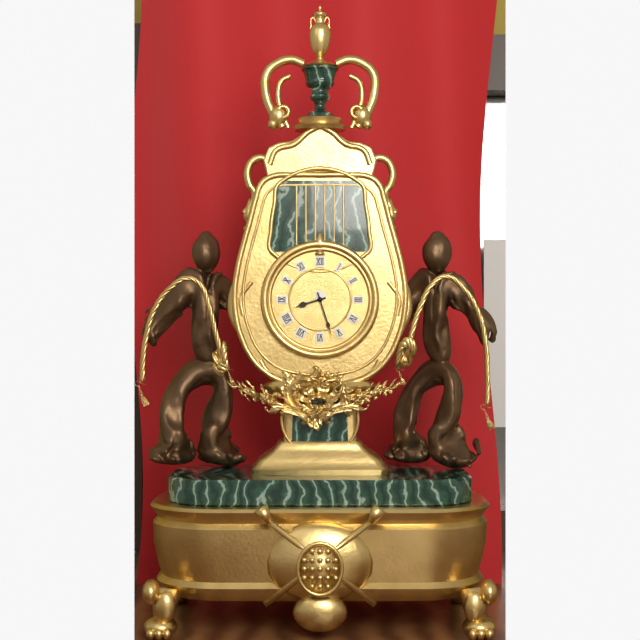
8:27
